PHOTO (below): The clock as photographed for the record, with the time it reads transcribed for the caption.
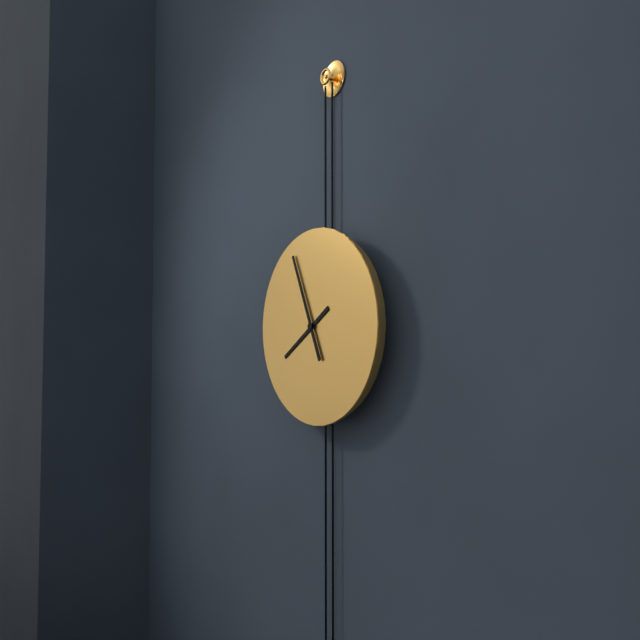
7:56
